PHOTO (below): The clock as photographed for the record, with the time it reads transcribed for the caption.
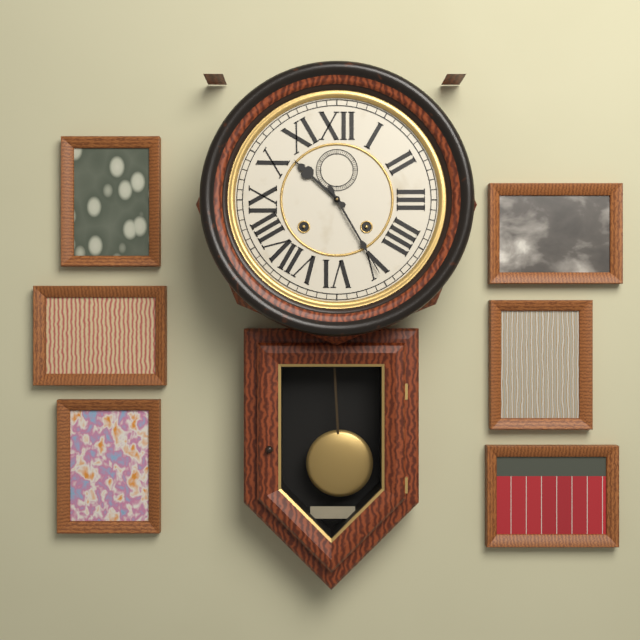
10:25
